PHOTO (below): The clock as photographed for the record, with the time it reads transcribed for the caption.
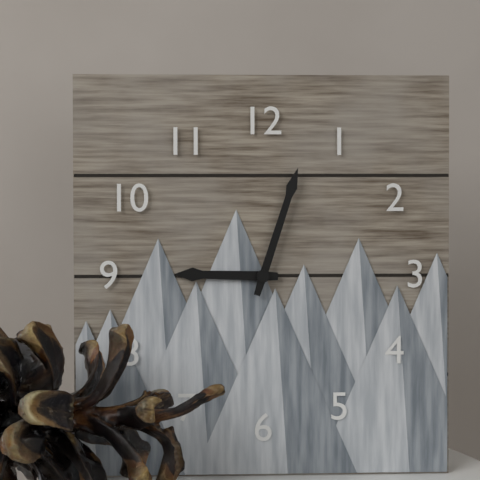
9:03
